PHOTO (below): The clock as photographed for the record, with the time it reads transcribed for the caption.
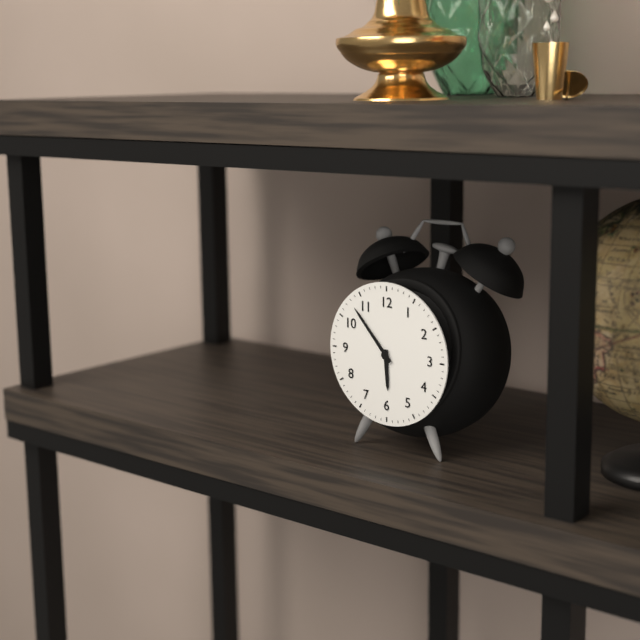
5:53
